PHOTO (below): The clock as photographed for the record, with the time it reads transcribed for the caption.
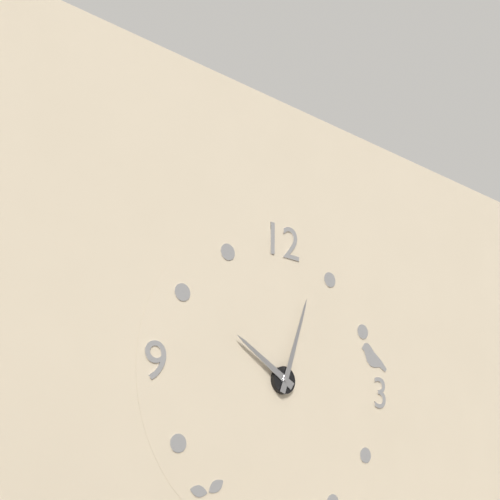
10:03
